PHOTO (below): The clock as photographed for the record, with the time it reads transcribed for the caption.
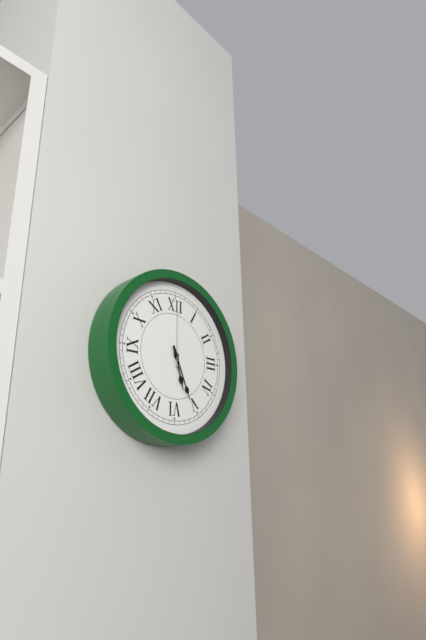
5:26:00
